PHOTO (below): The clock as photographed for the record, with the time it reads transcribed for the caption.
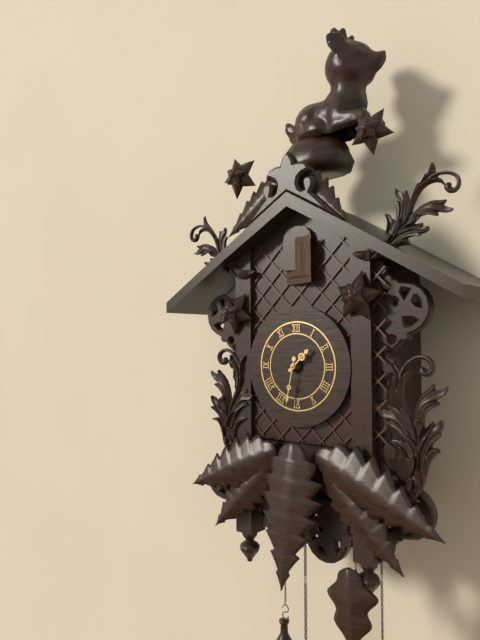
1:32
